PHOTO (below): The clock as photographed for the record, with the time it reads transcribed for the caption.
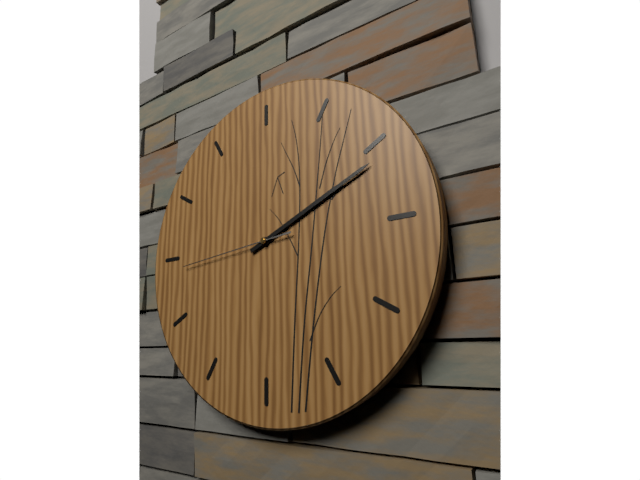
2:11:44
